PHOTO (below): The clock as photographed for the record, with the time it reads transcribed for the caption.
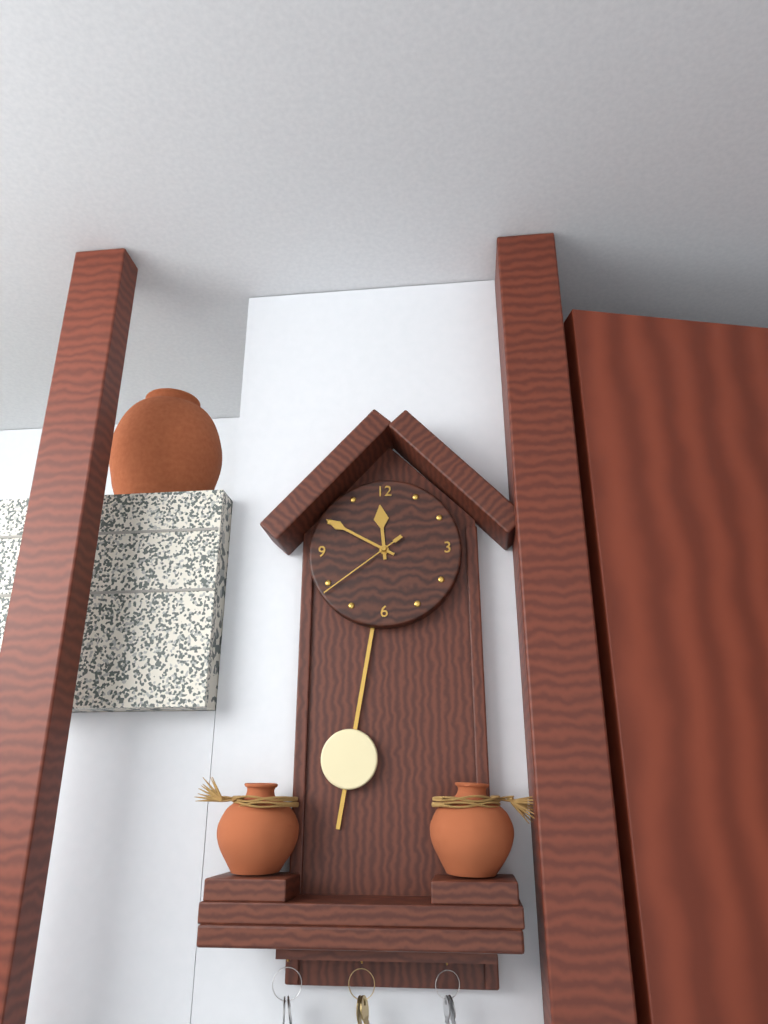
11:50:39
